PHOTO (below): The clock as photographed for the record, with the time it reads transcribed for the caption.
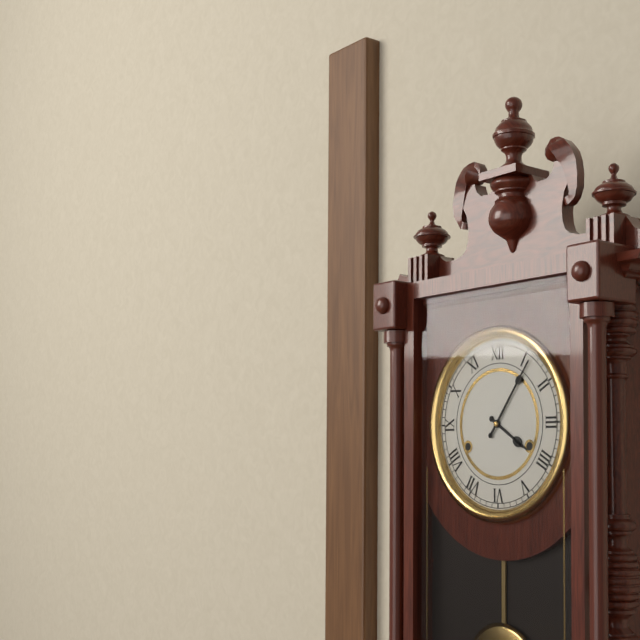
4:06
